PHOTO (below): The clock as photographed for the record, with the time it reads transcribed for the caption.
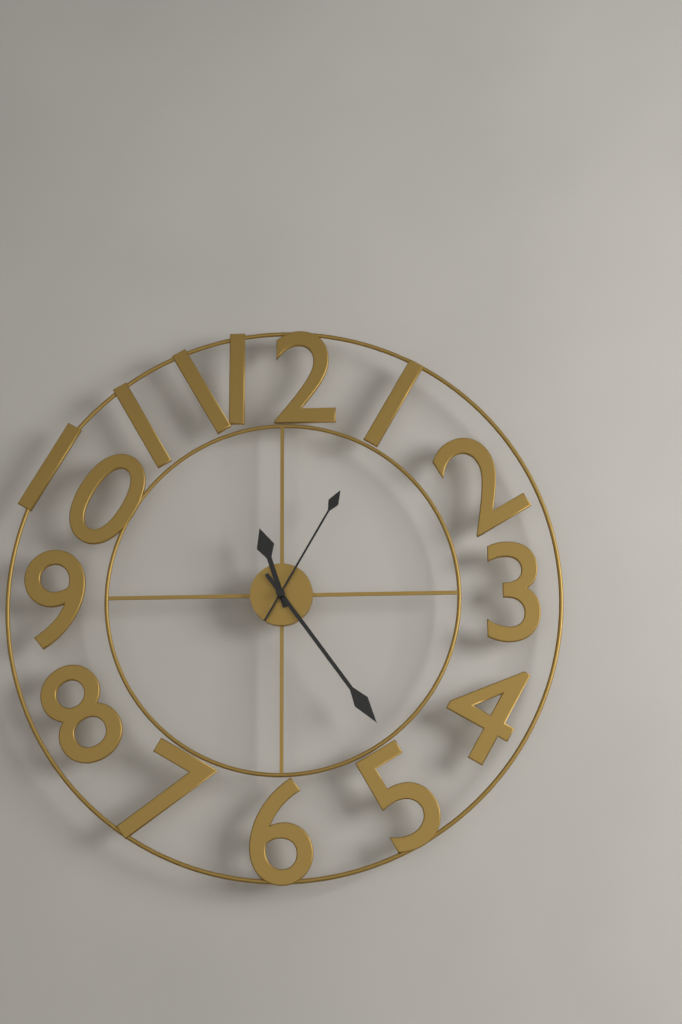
11:24:05
